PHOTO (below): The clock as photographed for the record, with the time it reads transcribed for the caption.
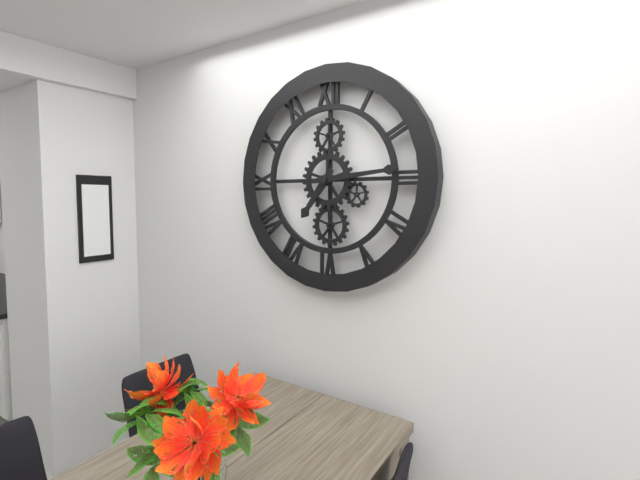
7:14
